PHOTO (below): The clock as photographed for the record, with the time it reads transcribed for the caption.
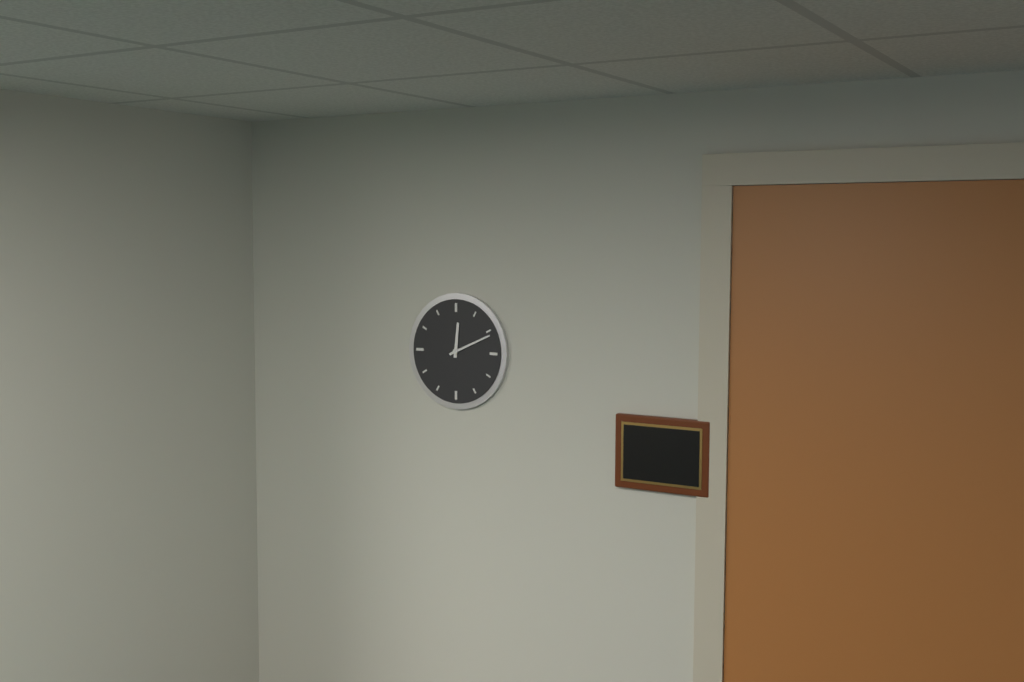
12:11
